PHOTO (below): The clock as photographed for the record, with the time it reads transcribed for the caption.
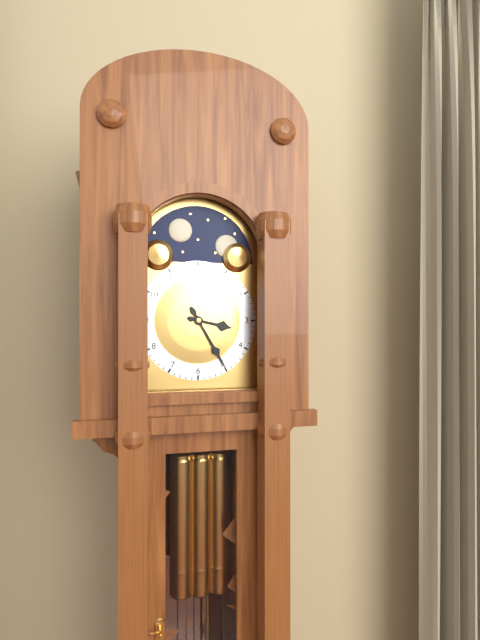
3:25
